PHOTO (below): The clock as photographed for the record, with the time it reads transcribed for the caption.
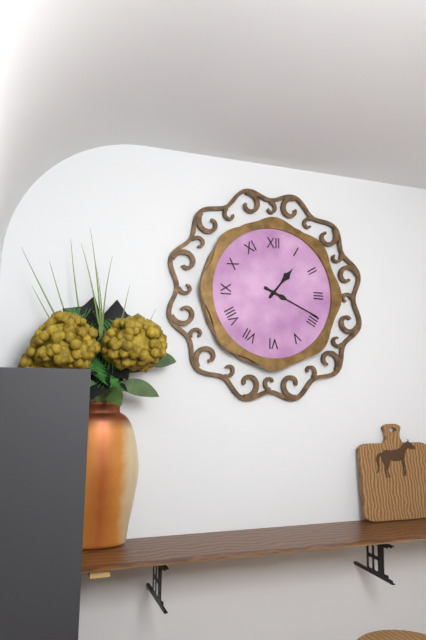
1:19
